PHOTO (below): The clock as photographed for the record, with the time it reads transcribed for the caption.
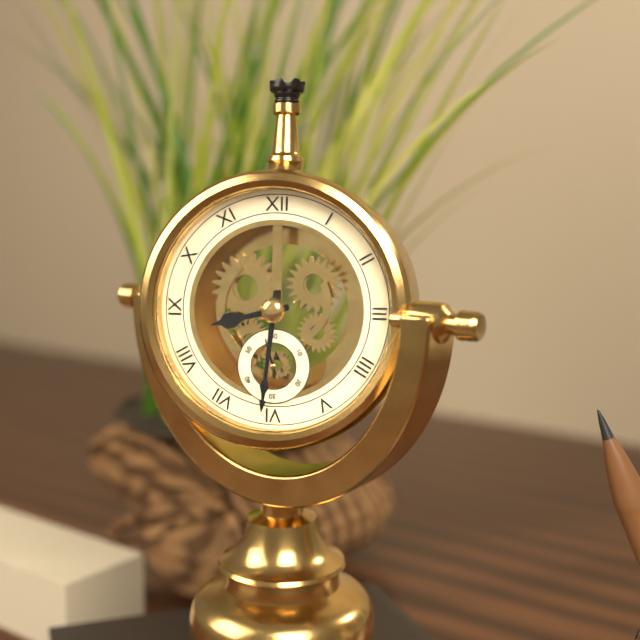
8:31
